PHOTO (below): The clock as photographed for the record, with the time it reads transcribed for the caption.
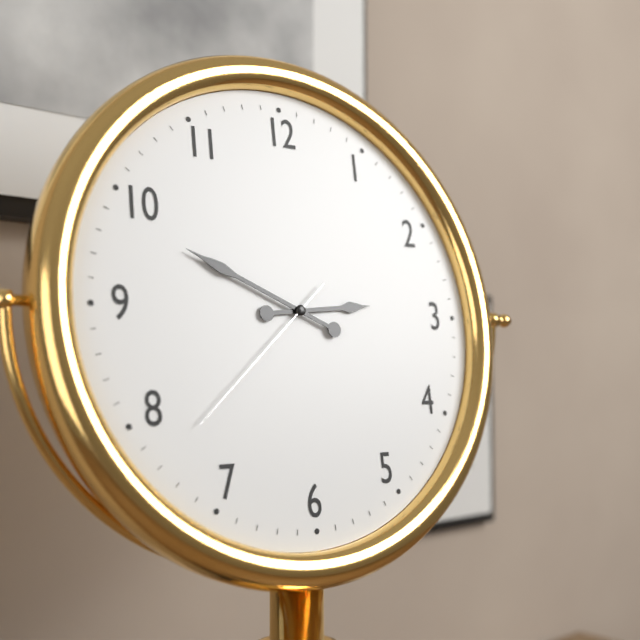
2:49:38
